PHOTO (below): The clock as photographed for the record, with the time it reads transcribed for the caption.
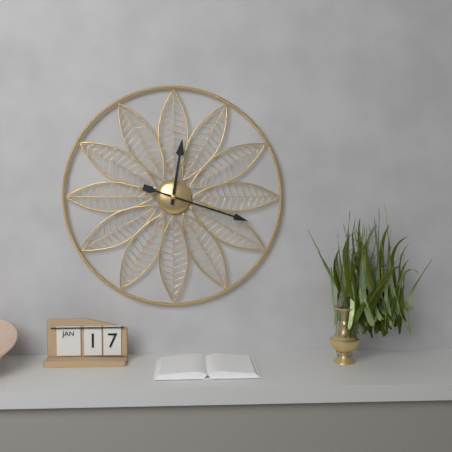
12:18
